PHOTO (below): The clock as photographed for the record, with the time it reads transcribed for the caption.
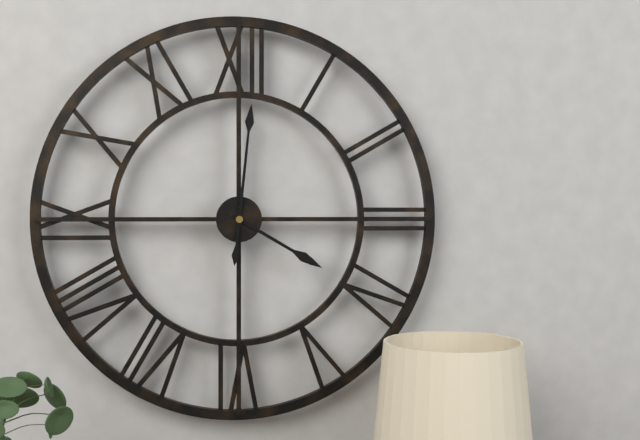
4:01
